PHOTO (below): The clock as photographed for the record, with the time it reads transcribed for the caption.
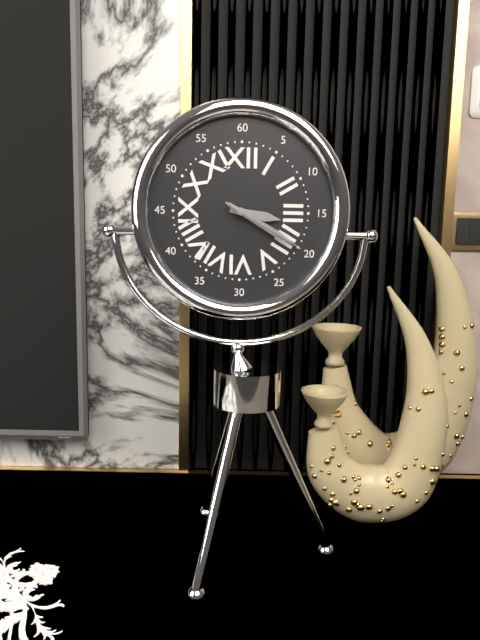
3:20:20
